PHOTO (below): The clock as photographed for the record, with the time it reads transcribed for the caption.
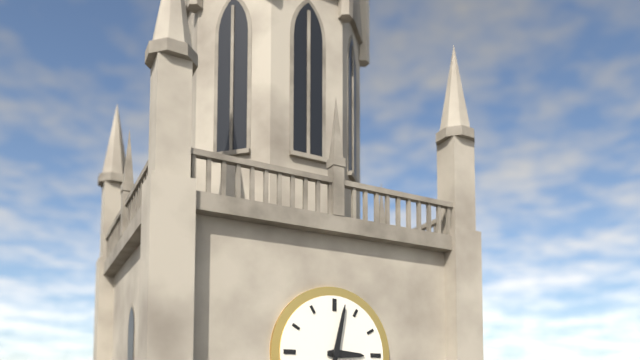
3:02
